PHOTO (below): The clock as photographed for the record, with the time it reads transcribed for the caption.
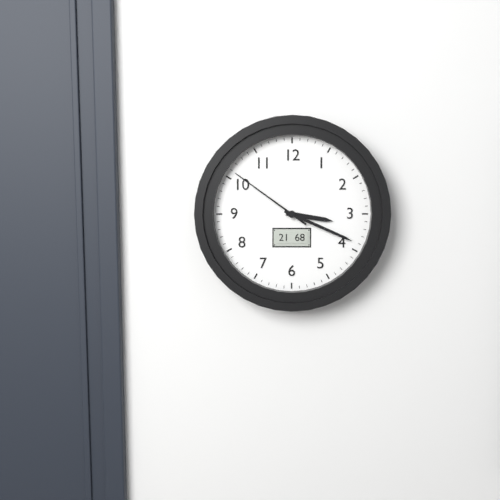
3:19:51
